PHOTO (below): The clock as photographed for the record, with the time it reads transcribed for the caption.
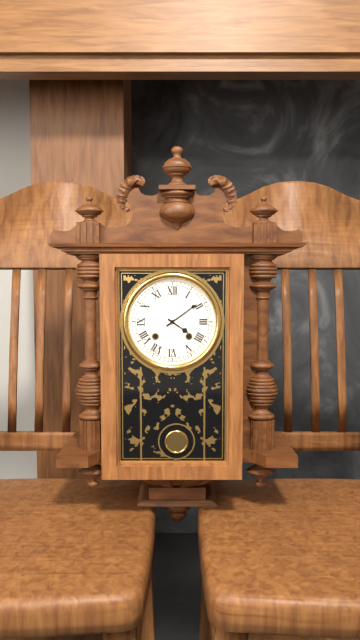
4:09
